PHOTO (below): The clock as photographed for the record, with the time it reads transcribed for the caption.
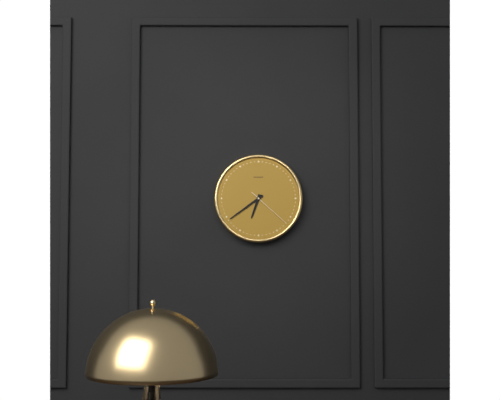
6:39
